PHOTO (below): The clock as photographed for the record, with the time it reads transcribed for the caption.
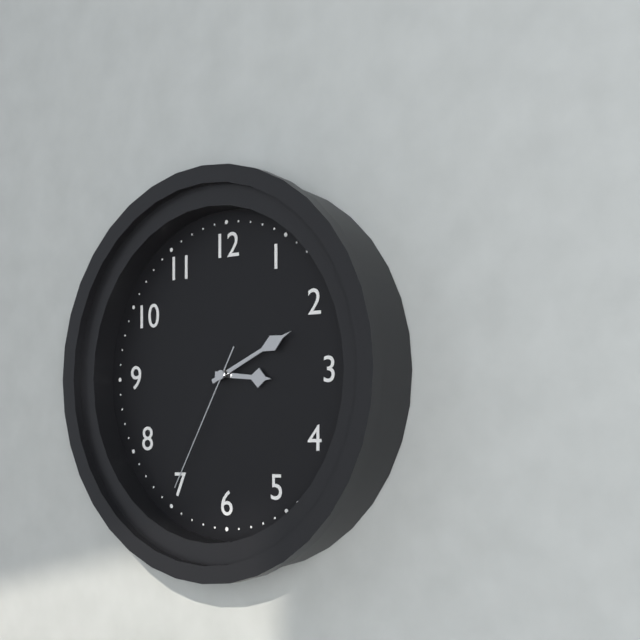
3:11:35
